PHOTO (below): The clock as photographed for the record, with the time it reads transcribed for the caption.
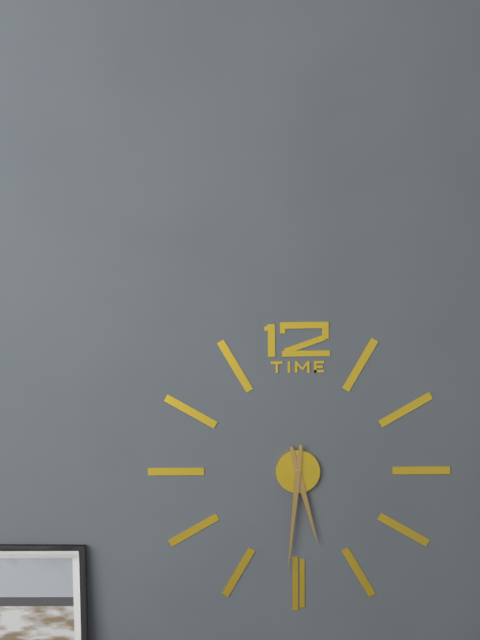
5:31
